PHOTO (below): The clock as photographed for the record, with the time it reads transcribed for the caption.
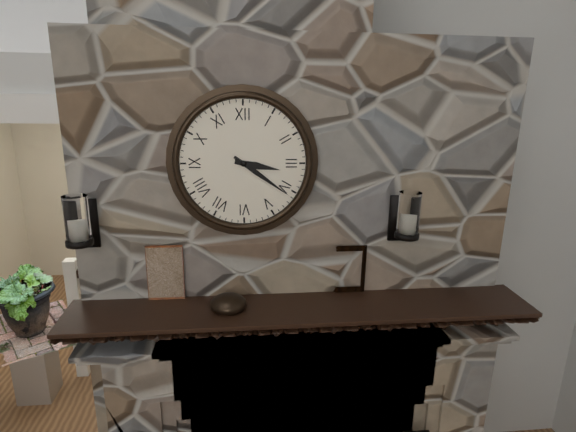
3:21
